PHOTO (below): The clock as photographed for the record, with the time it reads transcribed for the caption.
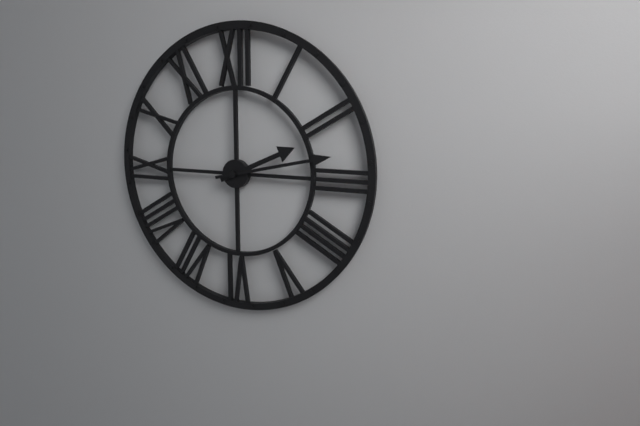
2:13
